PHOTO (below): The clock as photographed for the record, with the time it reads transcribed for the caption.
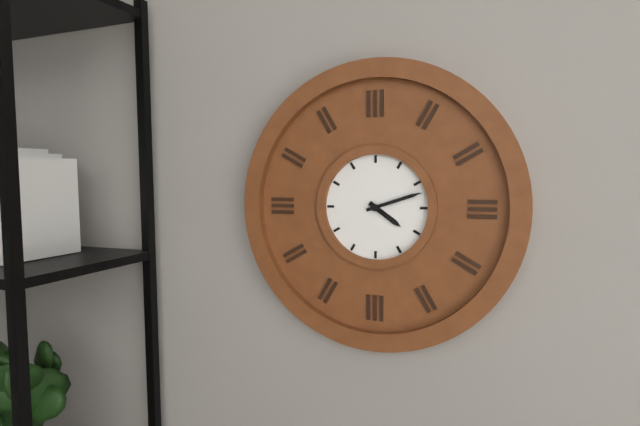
4:12
